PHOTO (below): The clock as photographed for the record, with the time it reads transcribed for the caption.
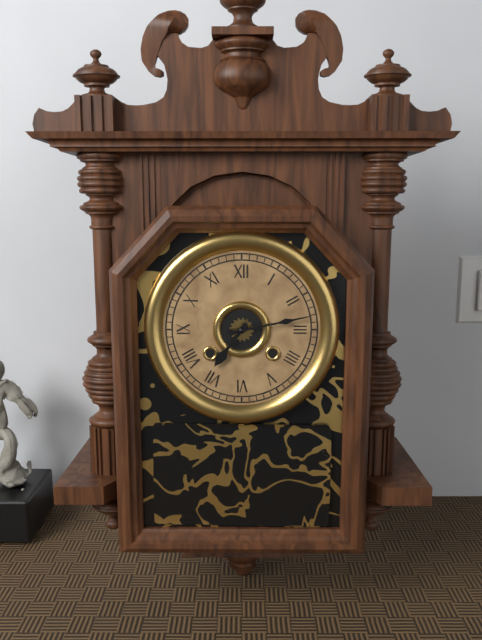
7:13
